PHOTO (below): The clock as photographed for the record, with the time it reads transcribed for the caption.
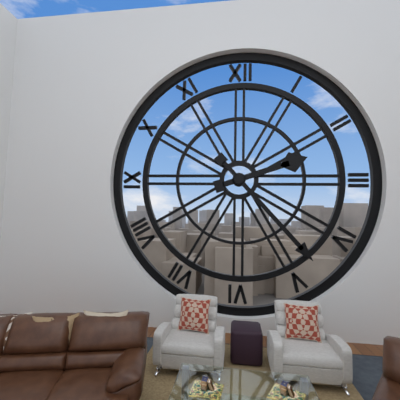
2:23
